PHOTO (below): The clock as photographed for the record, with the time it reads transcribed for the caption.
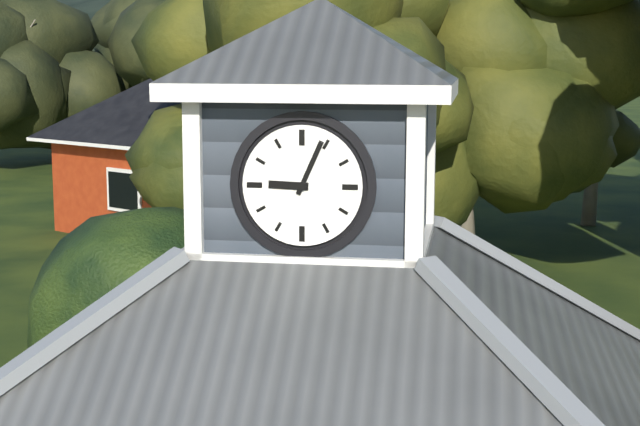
9:04
